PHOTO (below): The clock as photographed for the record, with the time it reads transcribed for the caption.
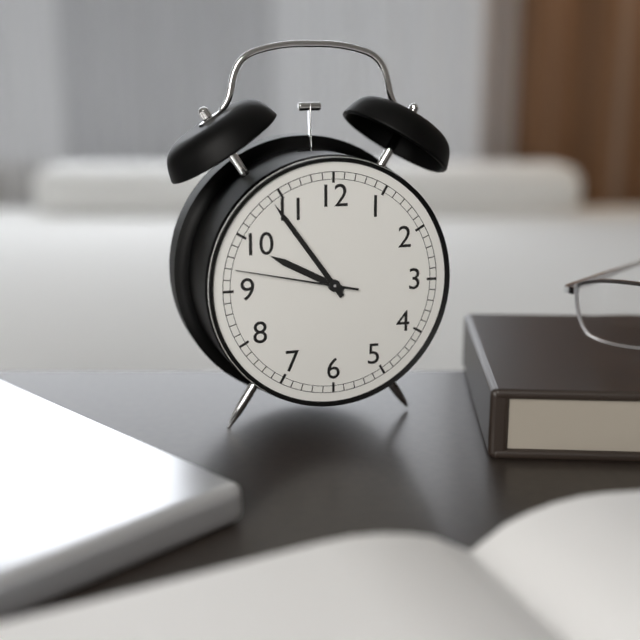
9:54:47
